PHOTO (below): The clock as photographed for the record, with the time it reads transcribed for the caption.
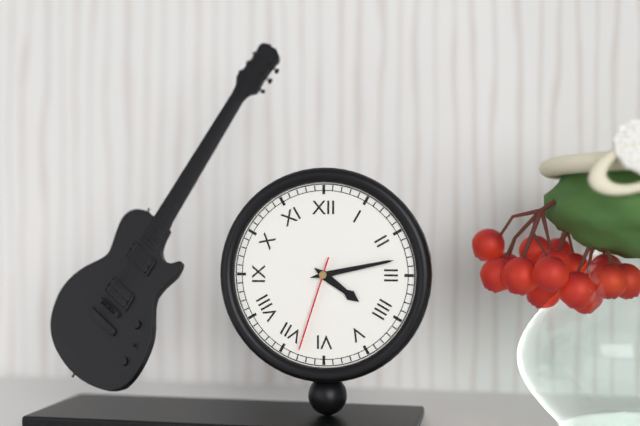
4:13:33
